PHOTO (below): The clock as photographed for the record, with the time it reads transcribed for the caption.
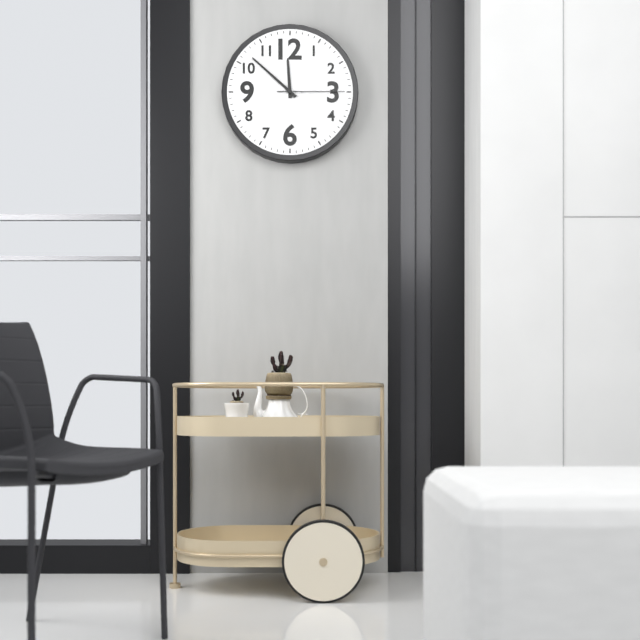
11:52:15
